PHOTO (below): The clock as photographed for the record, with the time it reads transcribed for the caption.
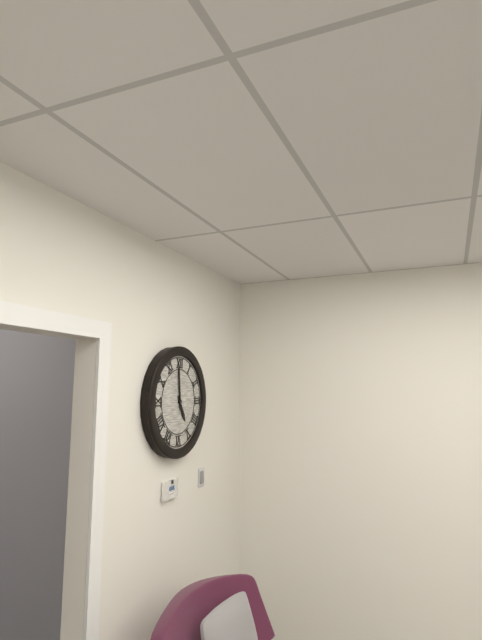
4:59
